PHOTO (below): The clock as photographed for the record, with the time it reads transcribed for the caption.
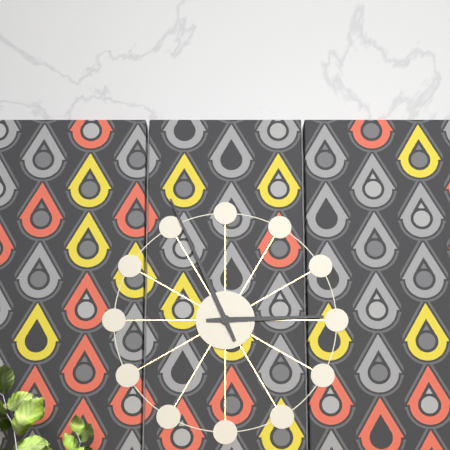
2:56
